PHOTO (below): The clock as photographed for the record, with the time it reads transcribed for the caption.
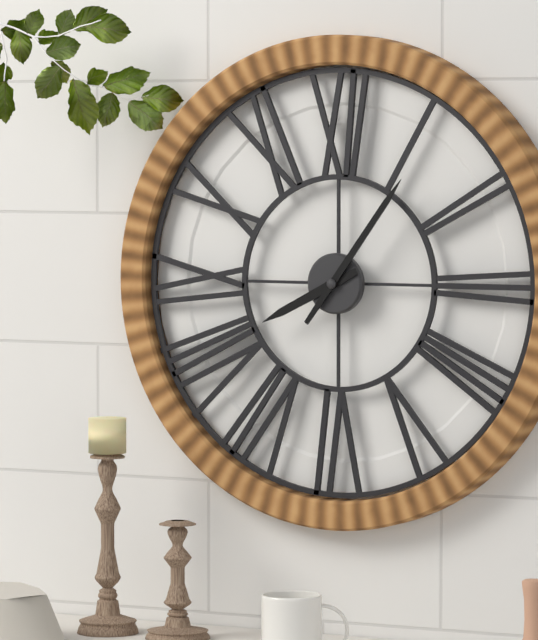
8:06
